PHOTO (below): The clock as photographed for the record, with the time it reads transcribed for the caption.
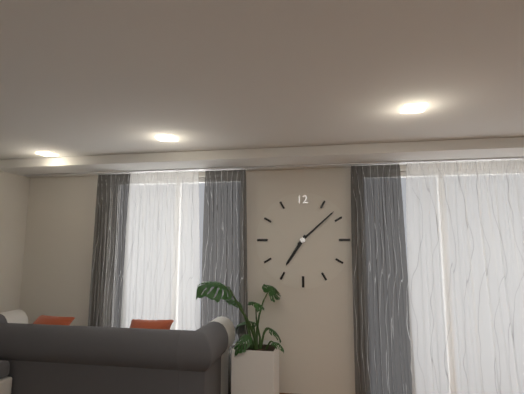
7:08
